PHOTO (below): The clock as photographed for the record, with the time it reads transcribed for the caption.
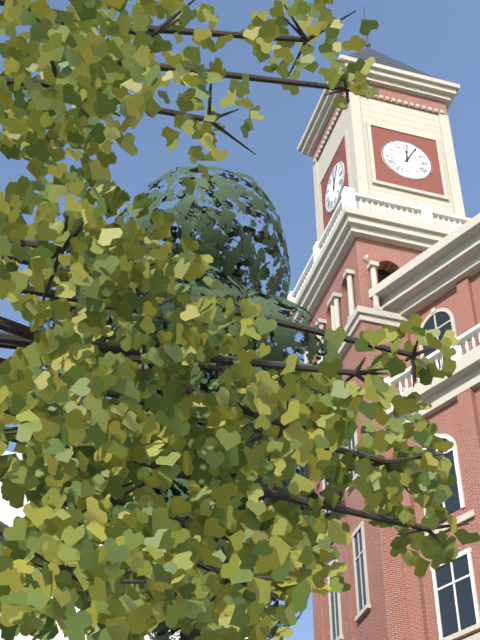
12:05
